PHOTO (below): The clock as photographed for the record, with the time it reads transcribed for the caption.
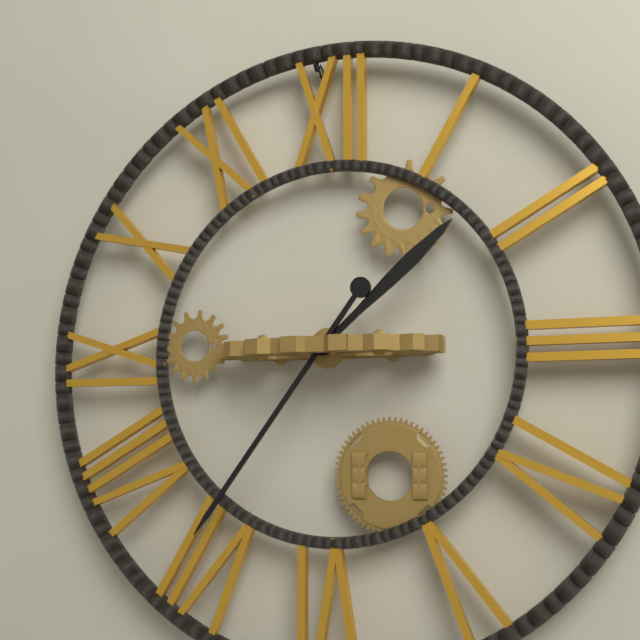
1:36
